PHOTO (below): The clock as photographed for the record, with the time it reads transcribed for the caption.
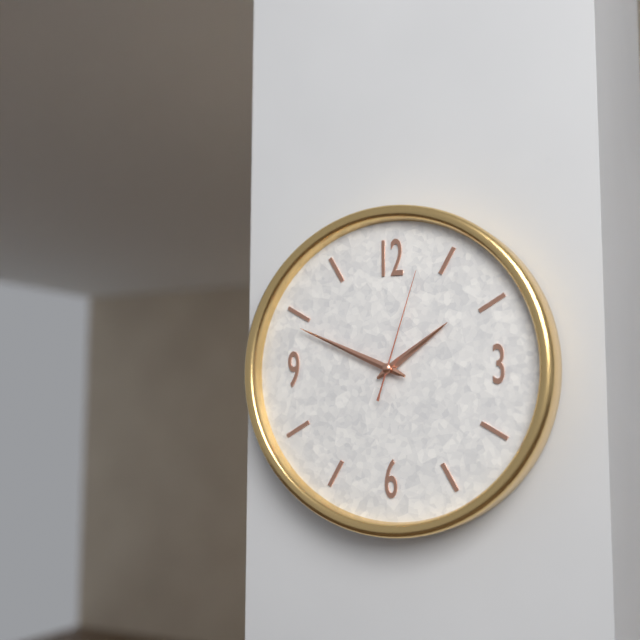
1:49:03
